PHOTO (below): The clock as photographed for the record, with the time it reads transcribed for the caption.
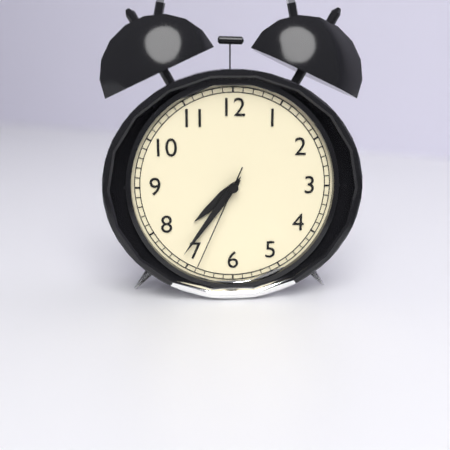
7:36:34
